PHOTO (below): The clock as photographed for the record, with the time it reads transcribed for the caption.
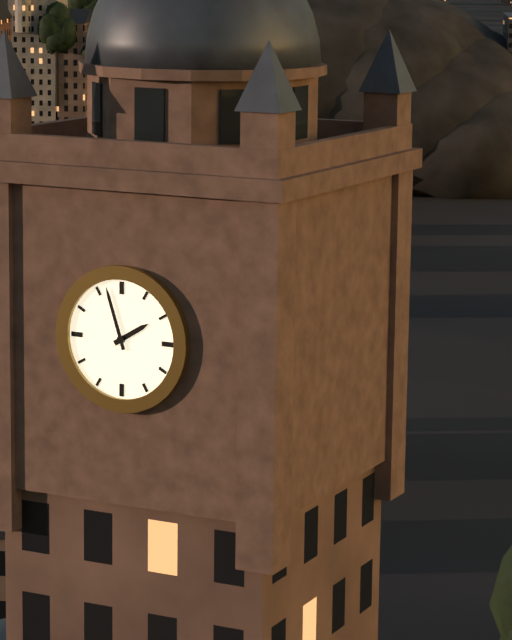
1:57
